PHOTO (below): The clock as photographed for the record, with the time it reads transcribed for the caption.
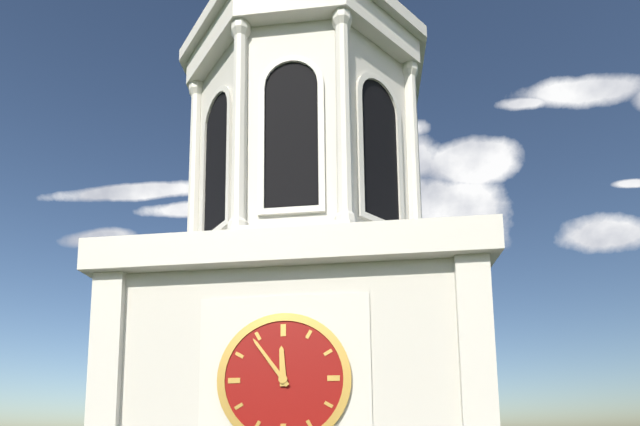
11:54
